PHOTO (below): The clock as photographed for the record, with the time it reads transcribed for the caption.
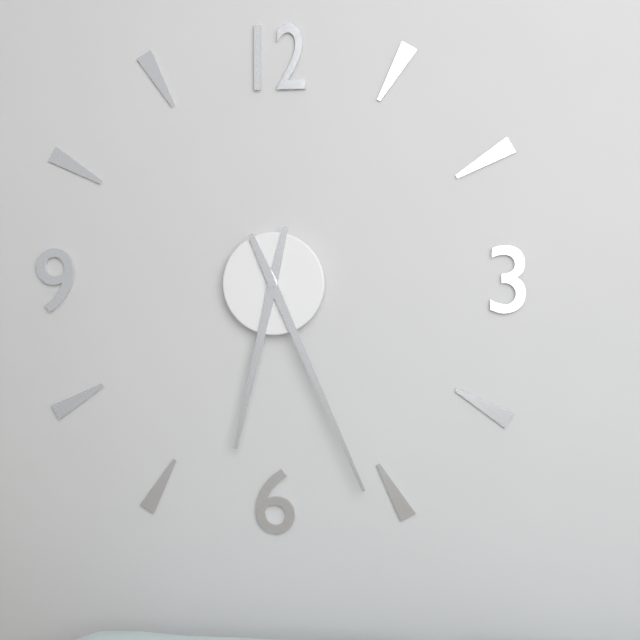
6:26
